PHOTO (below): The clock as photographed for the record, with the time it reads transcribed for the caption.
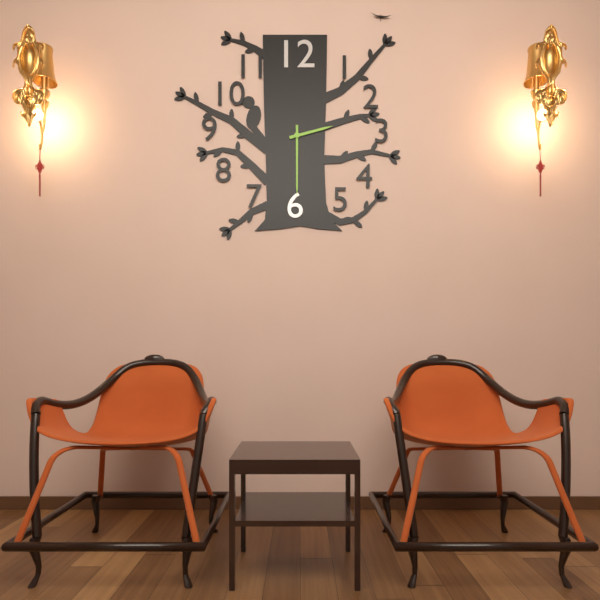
2:30
